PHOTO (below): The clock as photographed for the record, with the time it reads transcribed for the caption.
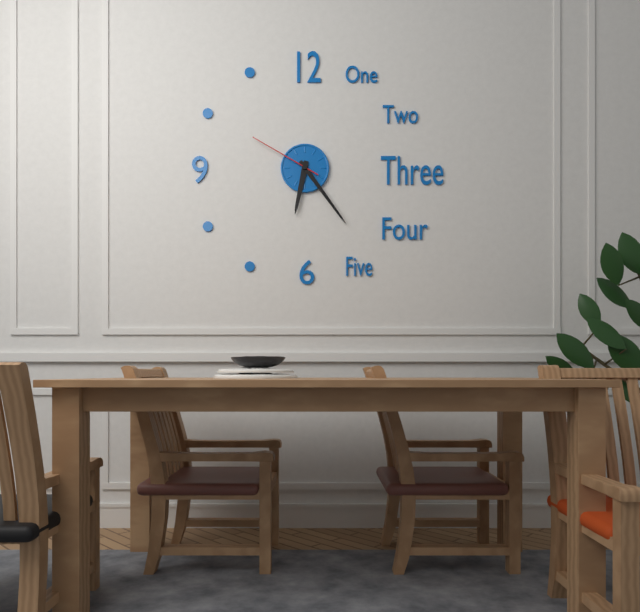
6:24:50
